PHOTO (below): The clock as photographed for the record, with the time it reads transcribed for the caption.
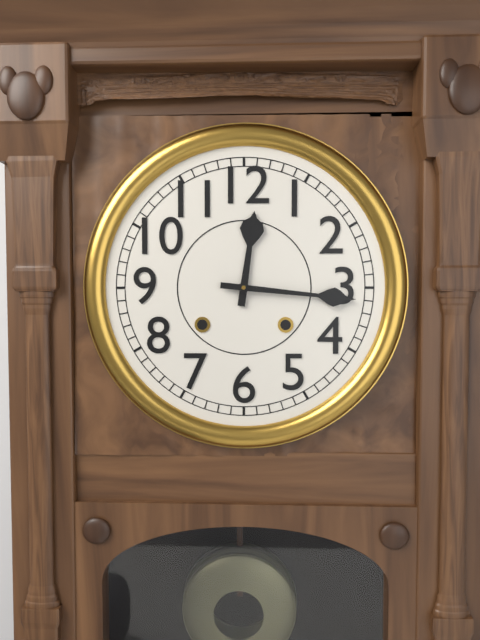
12:16
